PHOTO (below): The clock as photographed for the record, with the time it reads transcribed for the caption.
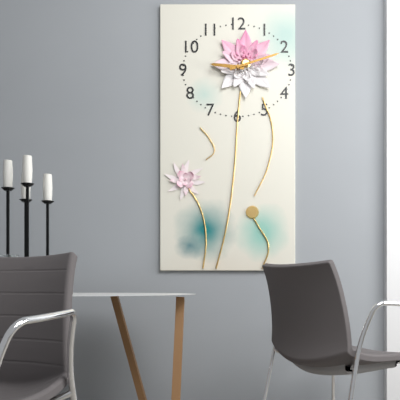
9:12
